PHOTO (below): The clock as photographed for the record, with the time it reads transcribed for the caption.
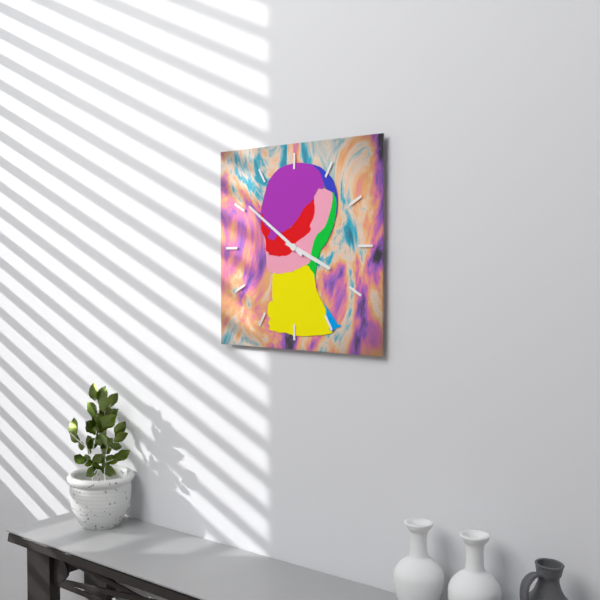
3:51
